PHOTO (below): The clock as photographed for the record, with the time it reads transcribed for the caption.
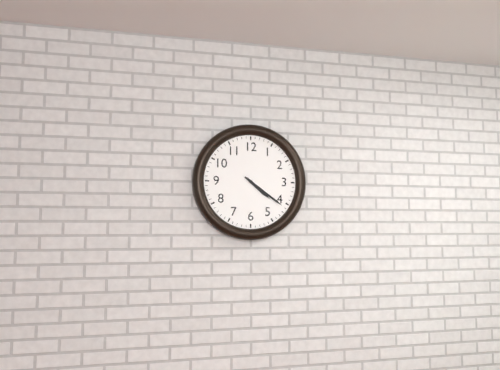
4:21
